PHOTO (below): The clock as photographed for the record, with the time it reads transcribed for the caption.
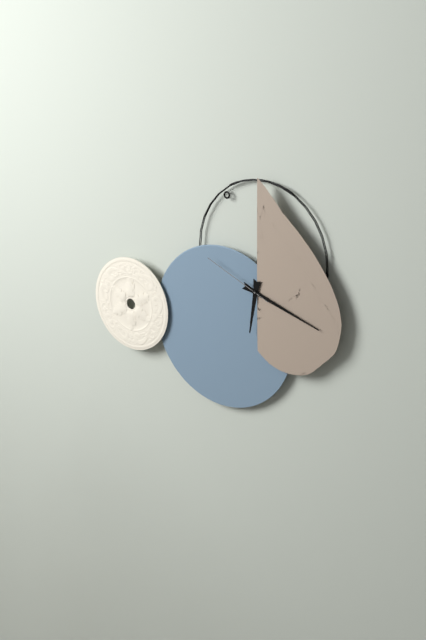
6:18:49
